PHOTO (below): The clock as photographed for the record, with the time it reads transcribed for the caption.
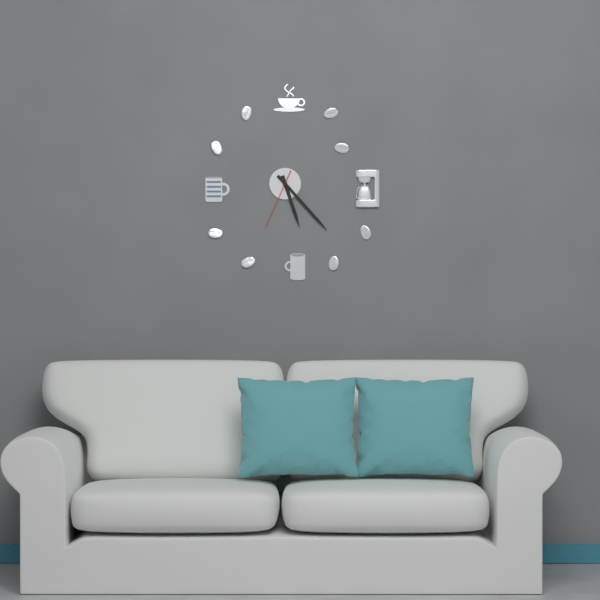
5:23:34
